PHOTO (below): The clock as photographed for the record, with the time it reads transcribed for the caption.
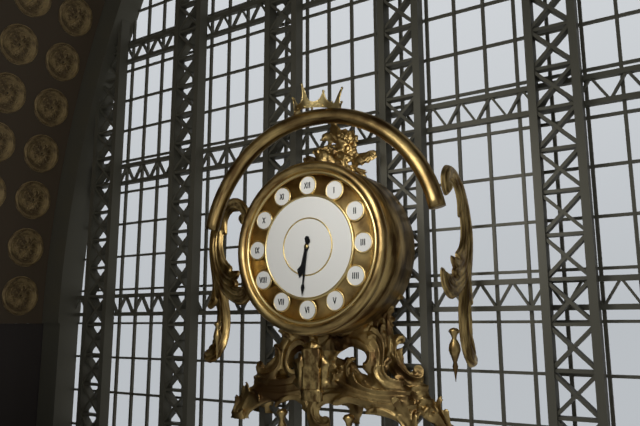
6:31
